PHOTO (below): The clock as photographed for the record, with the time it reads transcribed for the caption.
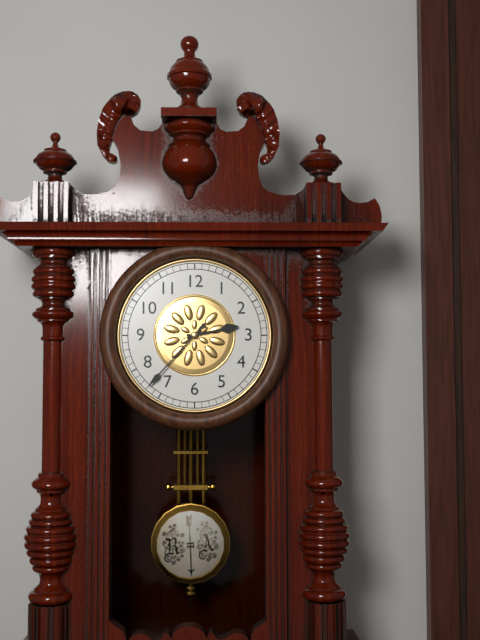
2:37
